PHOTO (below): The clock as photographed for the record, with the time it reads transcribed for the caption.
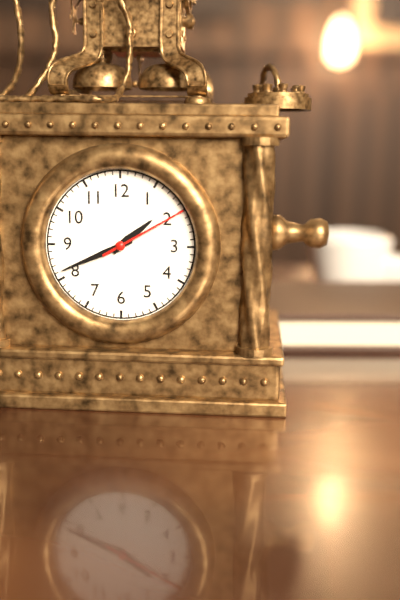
1:41:10
